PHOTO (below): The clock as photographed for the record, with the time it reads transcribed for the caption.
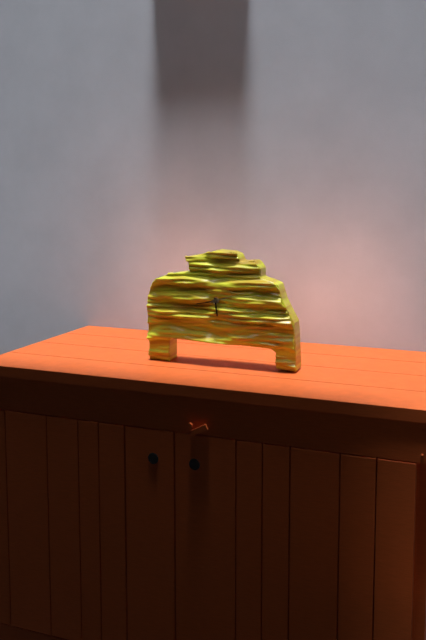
5:43
